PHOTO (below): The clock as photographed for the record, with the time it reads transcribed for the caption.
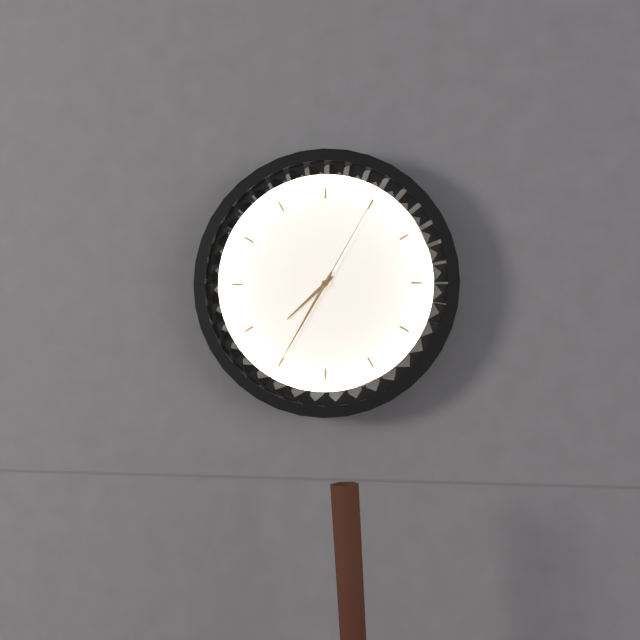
7:35:05
